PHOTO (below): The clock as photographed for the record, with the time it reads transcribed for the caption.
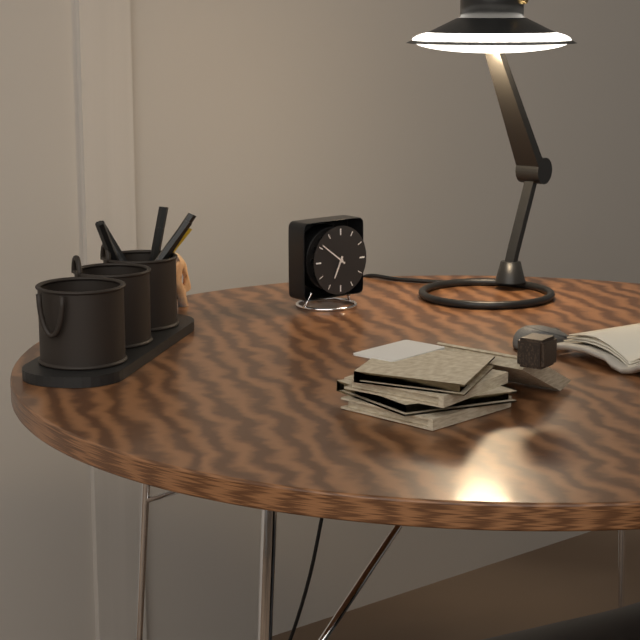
6:51
